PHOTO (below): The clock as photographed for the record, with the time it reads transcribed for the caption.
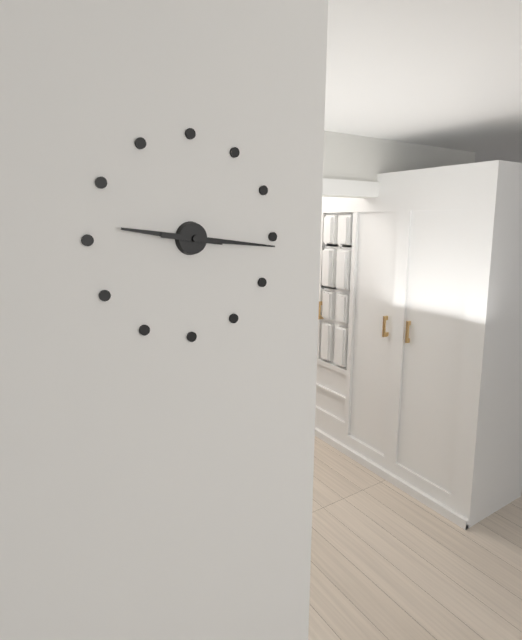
9:16
